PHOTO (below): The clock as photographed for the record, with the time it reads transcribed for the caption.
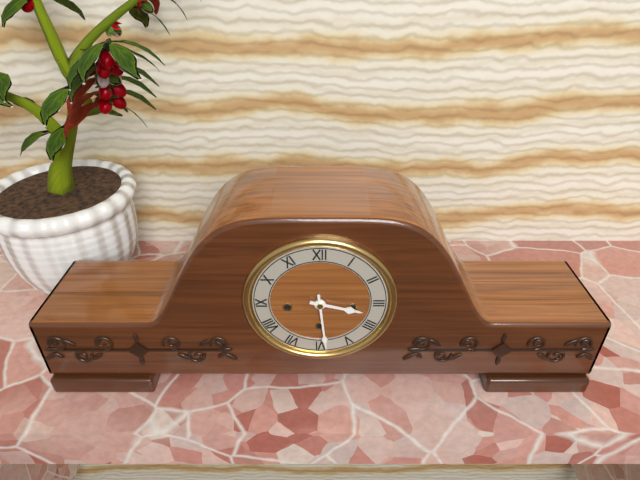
3:29
